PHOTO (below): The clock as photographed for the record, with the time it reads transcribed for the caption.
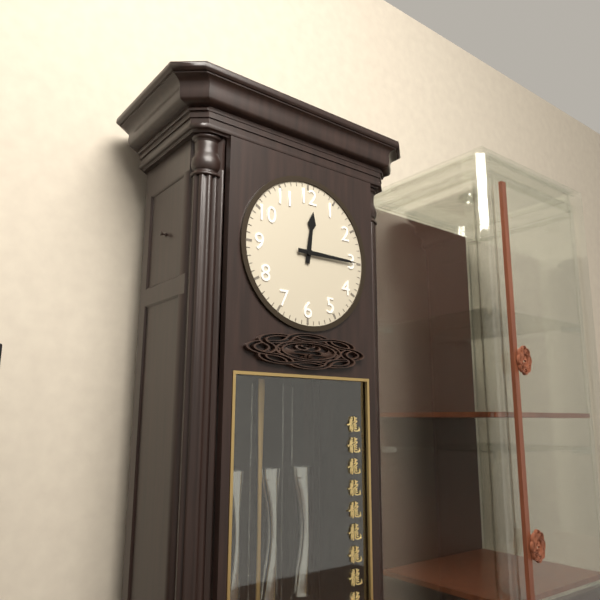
12:15
